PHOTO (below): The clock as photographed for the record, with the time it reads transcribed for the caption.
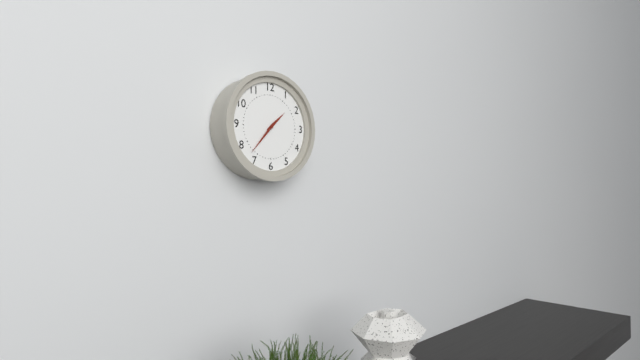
1:37
